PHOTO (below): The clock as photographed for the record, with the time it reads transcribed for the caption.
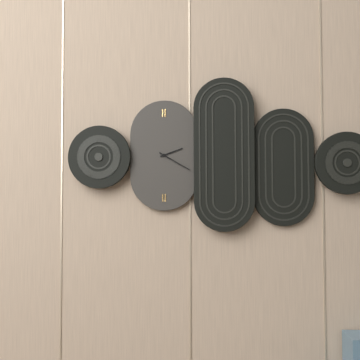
2:20
